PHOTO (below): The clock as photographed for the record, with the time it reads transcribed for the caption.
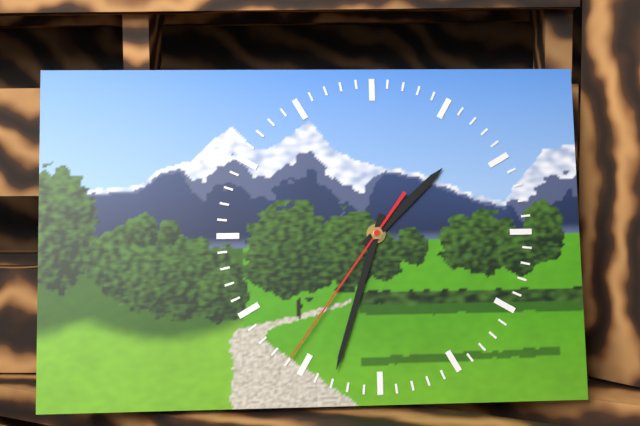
1:33:36
